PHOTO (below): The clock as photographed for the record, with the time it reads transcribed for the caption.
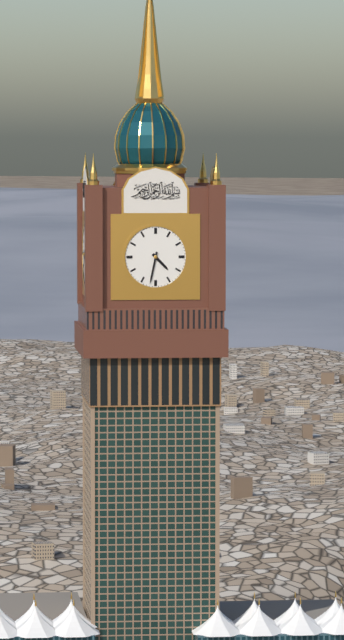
4:32
